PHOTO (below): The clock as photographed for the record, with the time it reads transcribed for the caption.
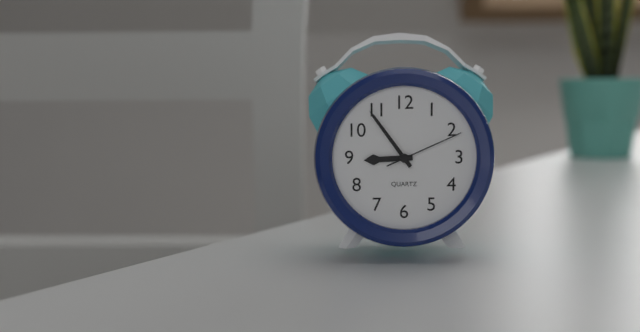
8:54:11
